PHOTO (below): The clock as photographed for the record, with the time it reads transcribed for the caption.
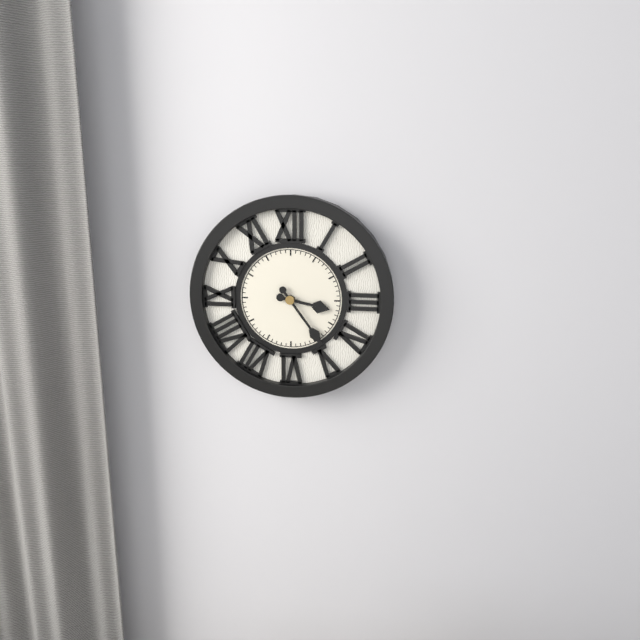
3:24
